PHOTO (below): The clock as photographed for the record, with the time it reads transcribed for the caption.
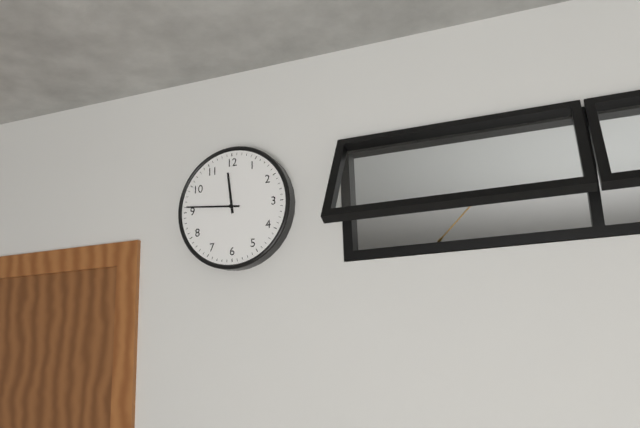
11:46
